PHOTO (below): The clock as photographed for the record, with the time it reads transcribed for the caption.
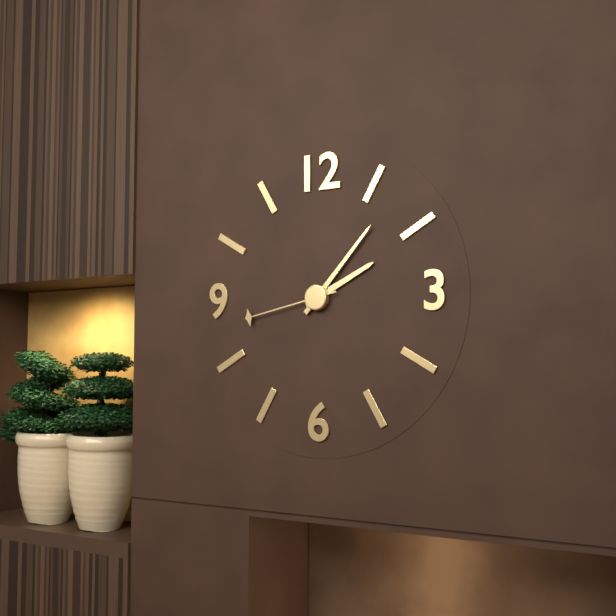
2:07:43
